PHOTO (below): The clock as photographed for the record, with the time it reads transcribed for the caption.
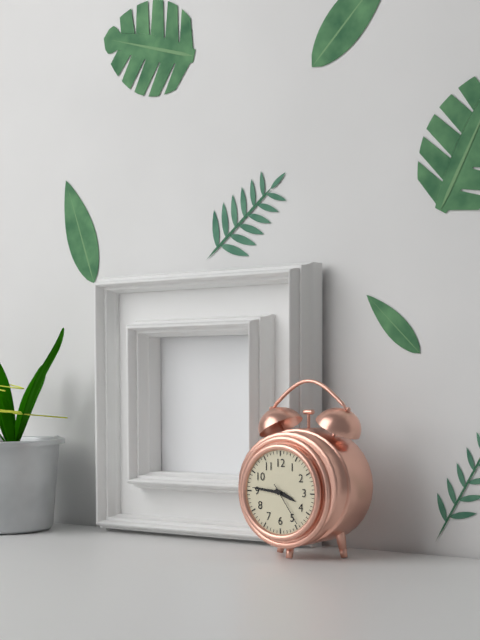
3:46
